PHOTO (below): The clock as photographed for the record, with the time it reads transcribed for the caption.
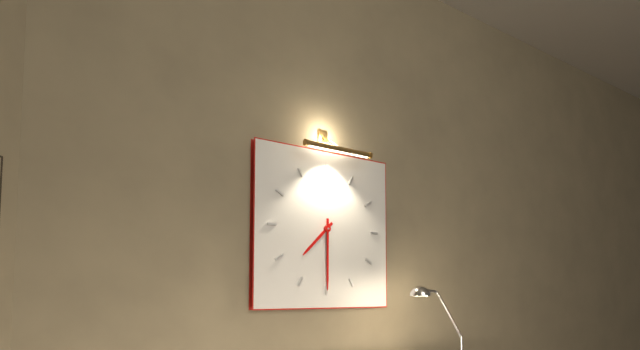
7:30
